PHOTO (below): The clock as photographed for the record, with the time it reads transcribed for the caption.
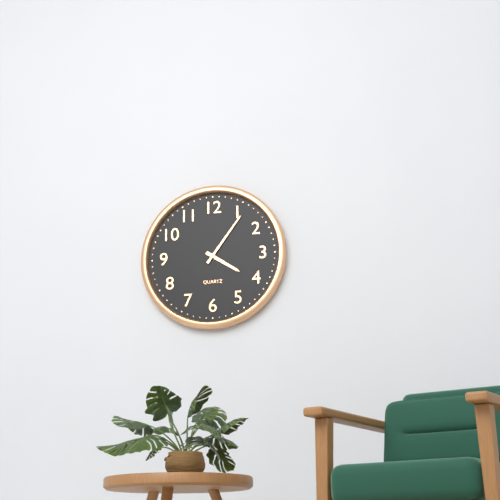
4:06
